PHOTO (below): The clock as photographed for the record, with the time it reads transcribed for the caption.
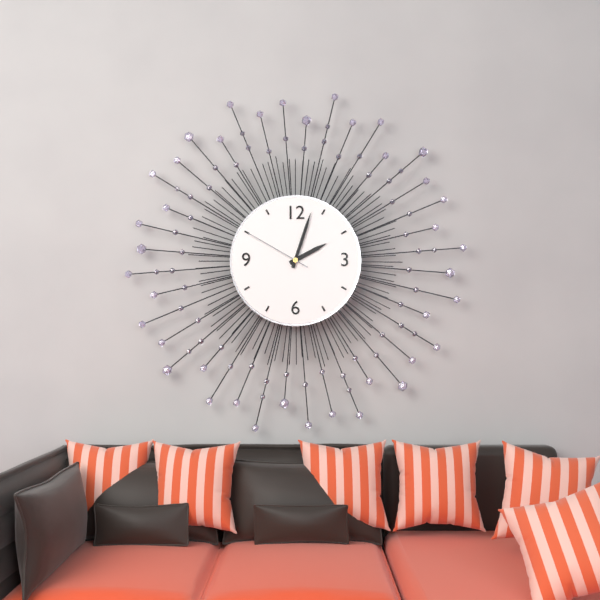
2:03:50
